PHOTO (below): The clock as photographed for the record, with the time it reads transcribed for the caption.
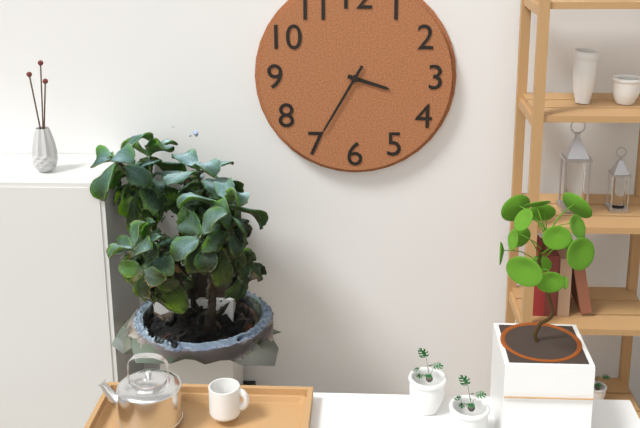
3:35
